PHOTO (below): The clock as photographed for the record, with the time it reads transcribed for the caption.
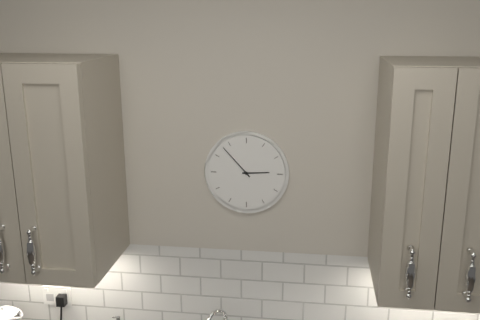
2:53
